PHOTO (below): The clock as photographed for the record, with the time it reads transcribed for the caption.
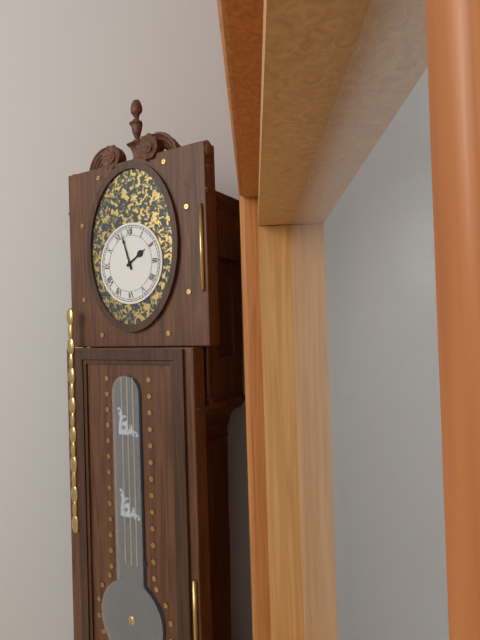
1:57
